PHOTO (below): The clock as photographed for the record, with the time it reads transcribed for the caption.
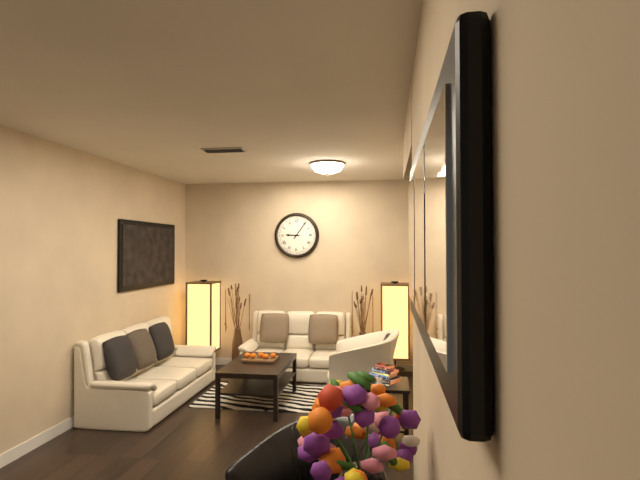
9:06
